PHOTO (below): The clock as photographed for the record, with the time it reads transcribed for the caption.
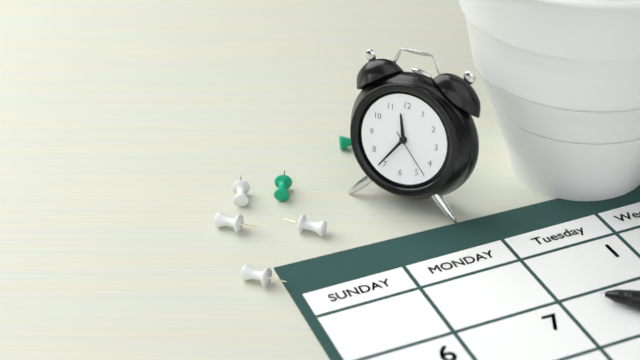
11:36:23
